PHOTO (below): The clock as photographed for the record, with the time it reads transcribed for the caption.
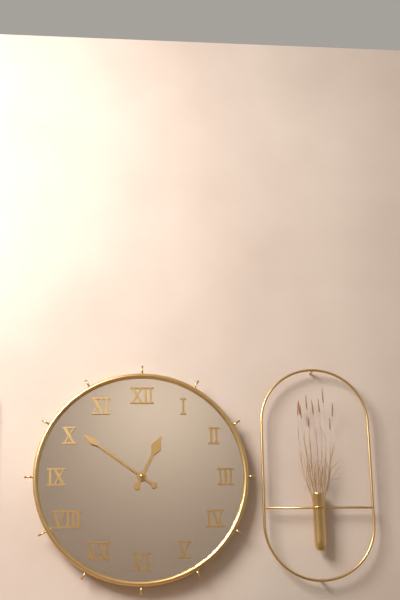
12:51
